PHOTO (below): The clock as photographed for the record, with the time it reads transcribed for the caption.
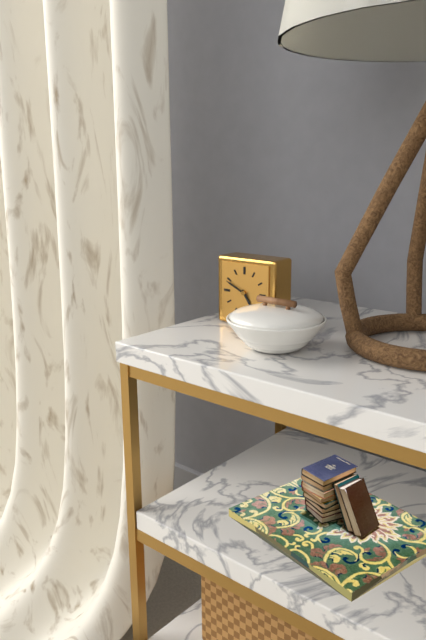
4:49
